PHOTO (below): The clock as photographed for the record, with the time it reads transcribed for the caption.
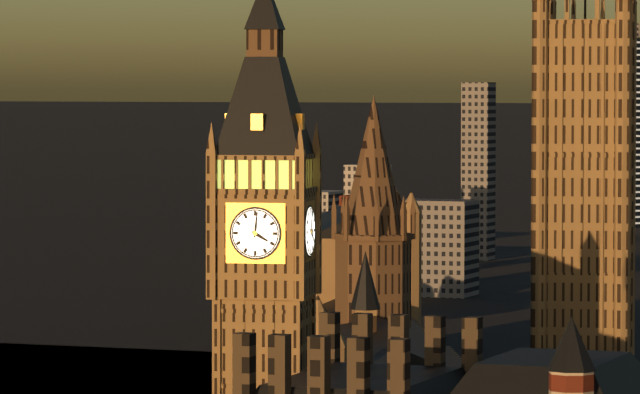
4:01
